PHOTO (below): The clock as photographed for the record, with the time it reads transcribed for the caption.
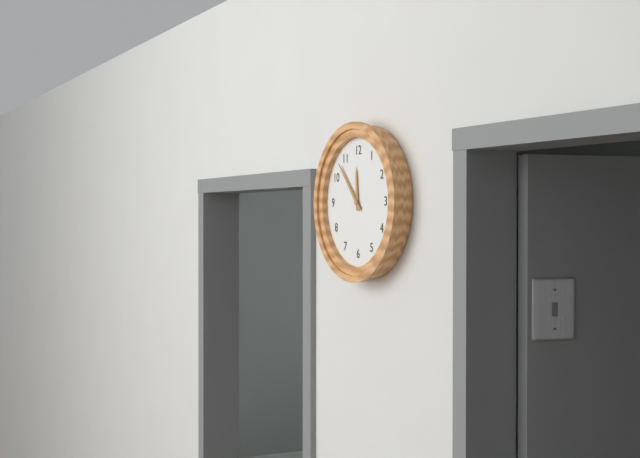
11:53
